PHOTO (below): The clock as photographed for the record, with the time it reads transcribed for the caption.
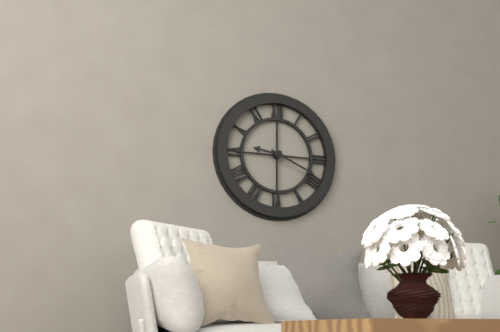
9:19
